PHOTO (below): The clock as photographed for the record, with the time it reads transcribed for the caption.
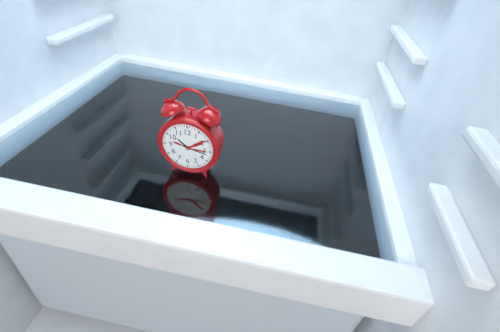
10:17
